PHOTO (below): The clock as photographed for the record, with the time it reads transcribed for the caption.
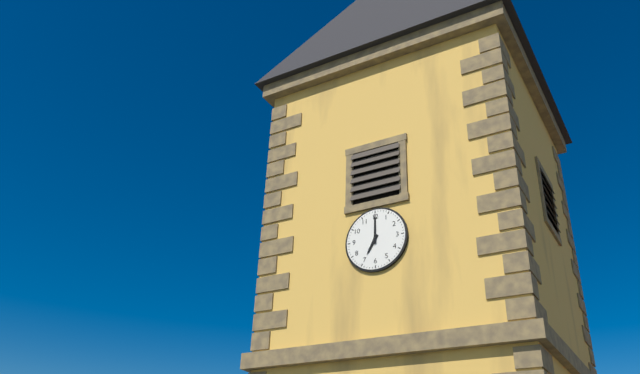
7:00
